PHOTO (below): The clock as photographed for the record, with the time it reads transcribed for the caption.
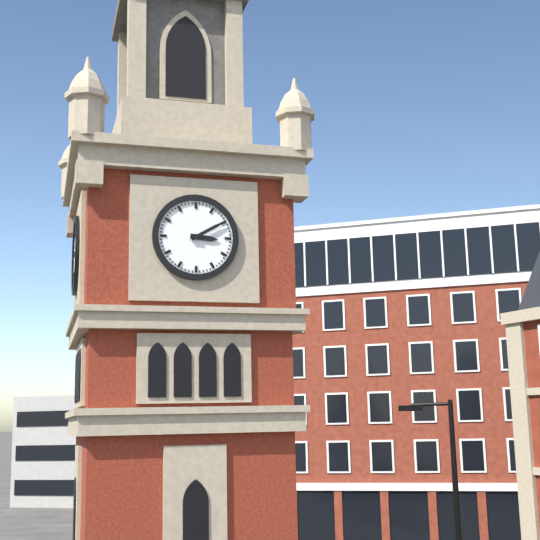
3:10
